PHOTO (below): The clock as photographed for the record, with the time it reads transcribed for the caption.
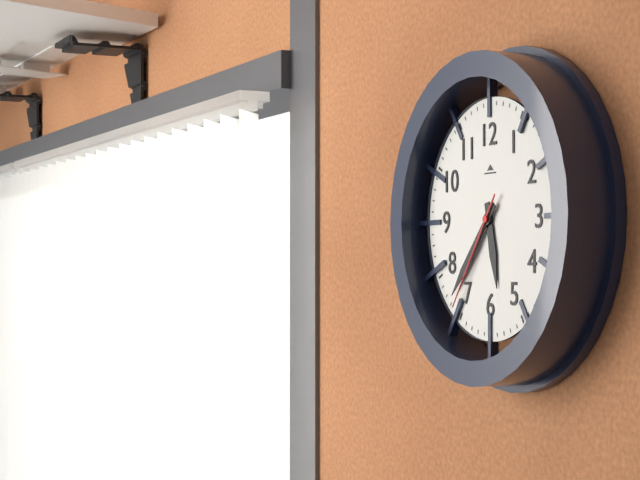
5:37:36
